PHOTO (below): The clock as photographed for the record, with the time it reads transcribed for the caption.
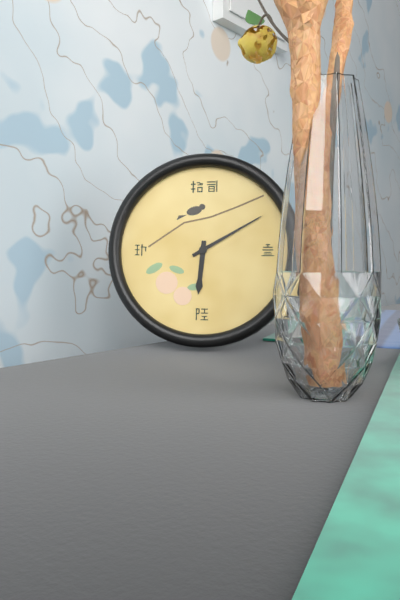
6:10
